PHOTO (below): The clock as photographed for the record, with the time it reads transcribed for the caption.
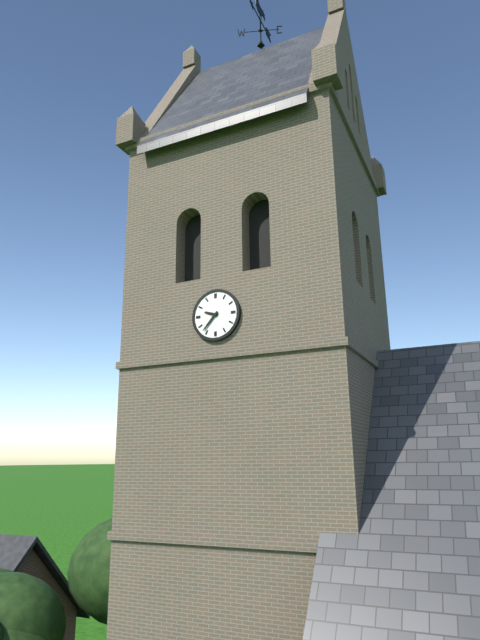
9:37
